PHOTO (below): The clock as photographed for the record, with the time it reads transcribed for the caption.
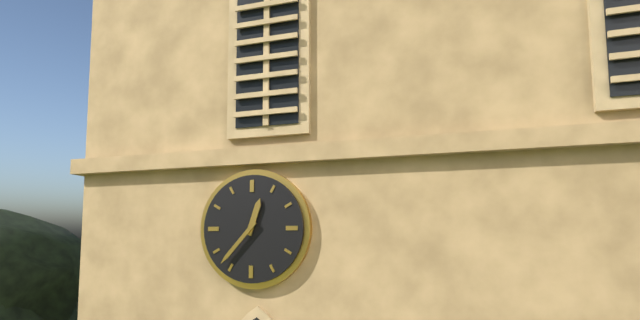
12:37
